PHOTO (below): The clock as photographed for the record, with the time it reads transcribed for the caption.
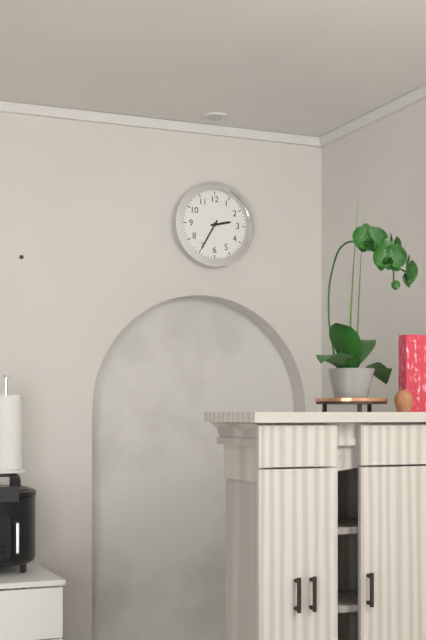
2:35
